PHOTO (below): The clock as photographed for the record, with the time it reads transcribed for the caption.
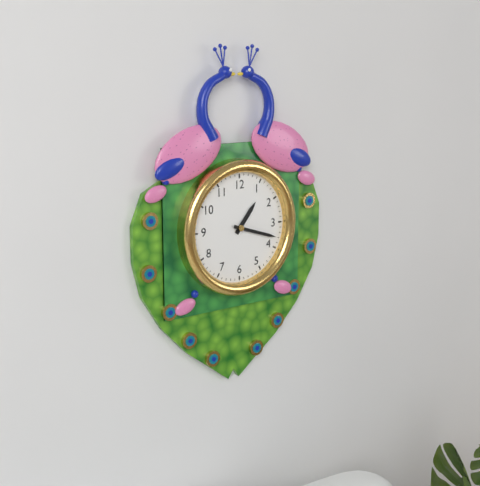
1:18
